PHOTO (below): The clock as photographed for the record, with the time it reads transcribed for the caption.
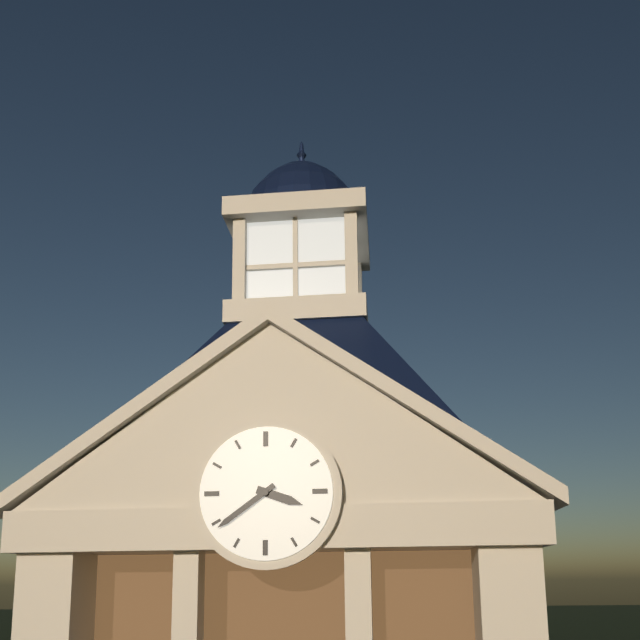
3:39
